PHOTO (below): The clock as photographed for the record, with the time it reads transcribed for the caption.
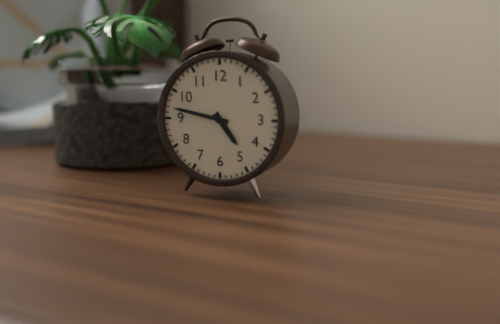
4:47
